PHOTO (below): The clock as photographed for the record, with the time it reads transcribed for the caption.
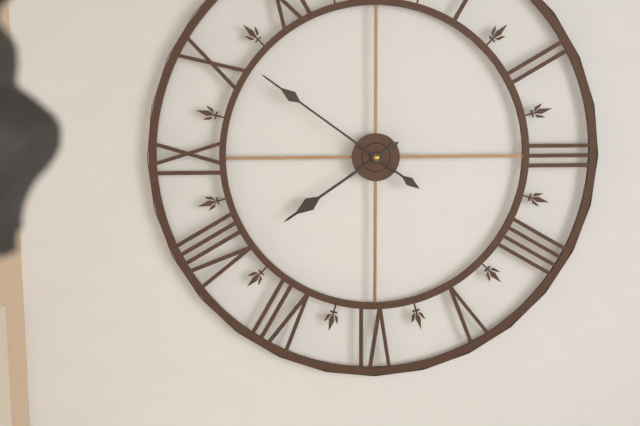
7:51
